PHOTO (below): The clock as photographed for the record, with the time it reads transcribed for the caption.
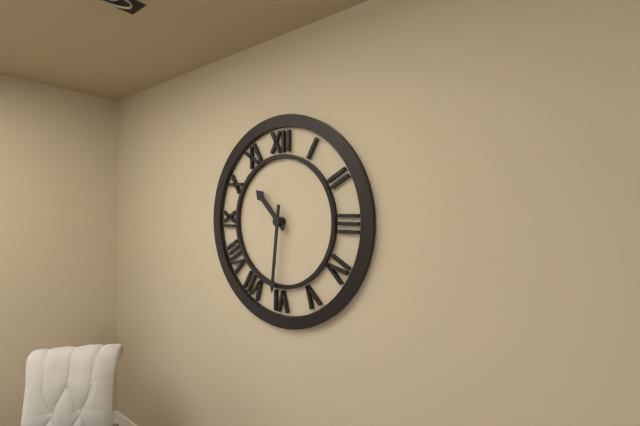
10:31
